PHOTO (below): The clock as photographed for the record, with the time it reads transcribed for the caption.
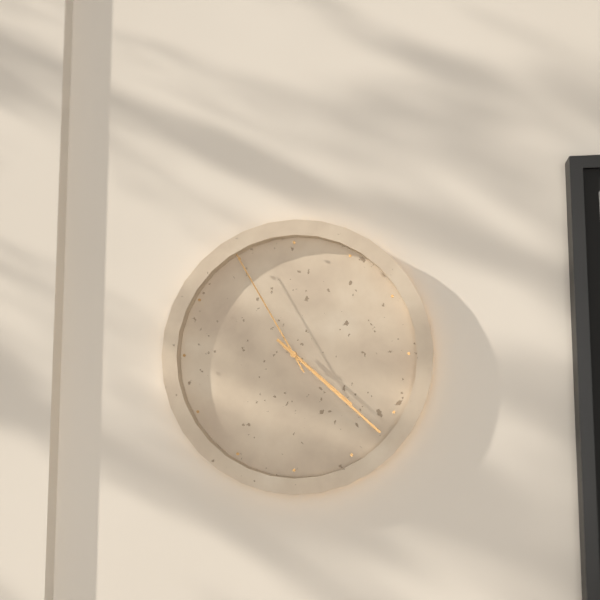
4:22:55
